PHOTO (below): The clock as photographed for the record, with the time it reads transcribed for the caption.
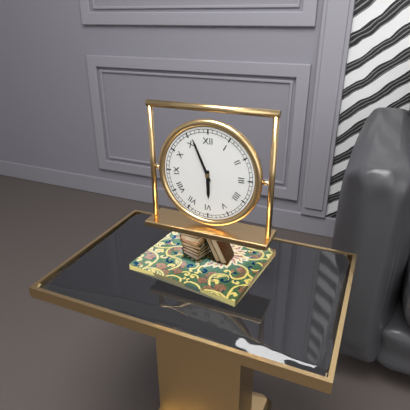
5:56
